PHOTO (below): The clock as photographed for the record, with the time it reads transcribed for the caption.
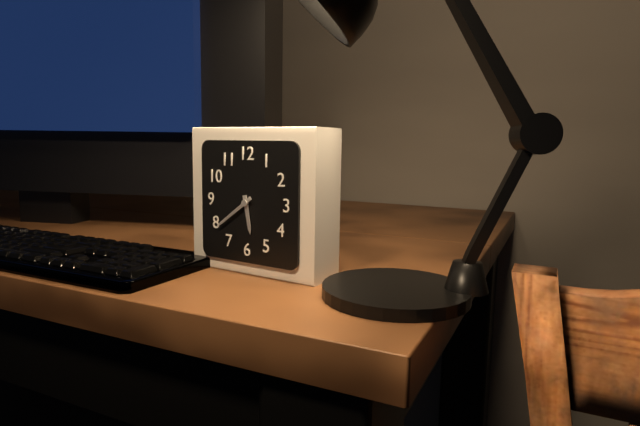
5:39
